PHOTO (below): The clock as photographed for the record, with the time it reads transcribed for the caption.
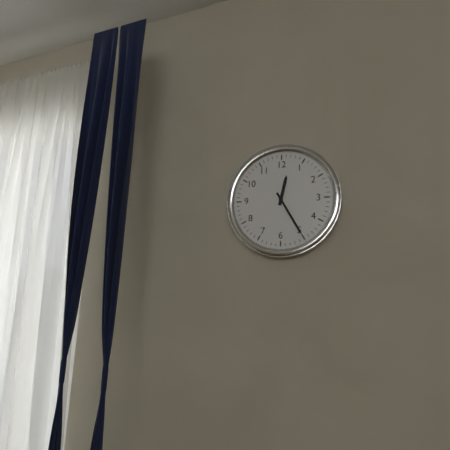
12:25
